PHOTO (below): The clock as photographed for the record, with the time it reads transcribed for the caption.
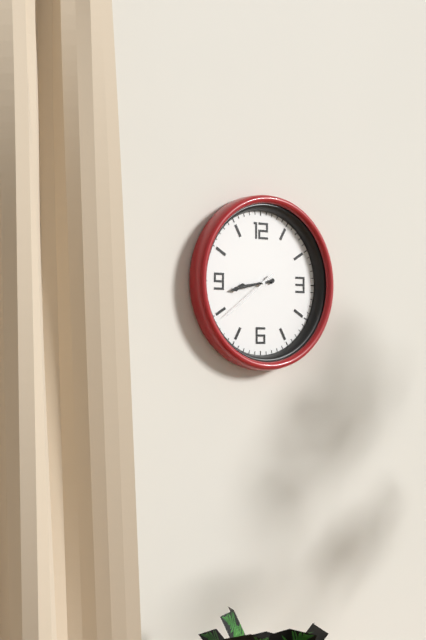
8:43:39
